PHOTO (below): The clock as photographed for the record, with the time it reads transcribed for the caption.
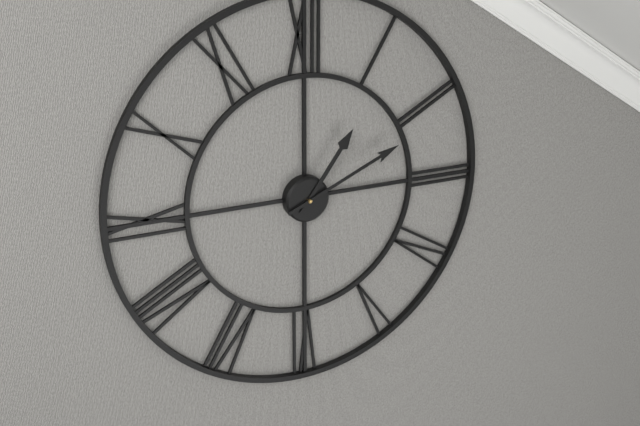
1:11
